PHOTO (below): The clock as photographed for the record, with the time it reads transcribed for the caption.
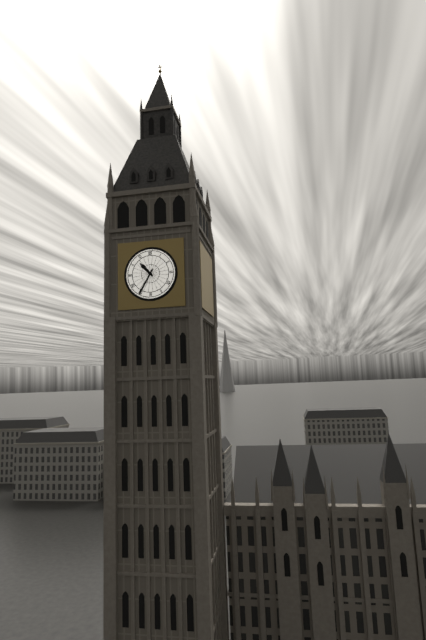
10:35
